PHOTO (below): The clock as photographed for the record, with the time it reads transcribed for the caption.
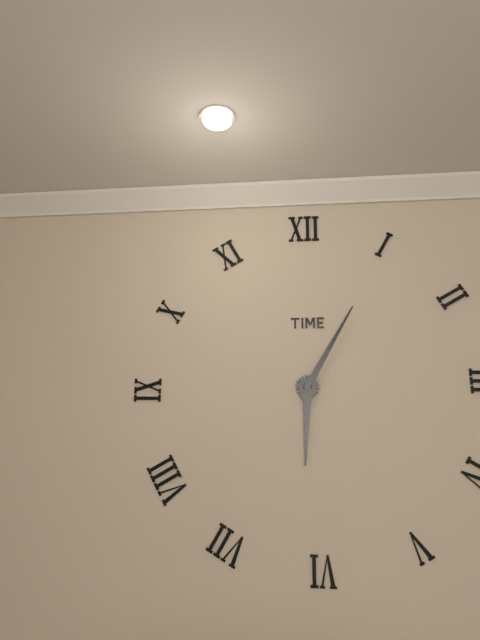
6:05
